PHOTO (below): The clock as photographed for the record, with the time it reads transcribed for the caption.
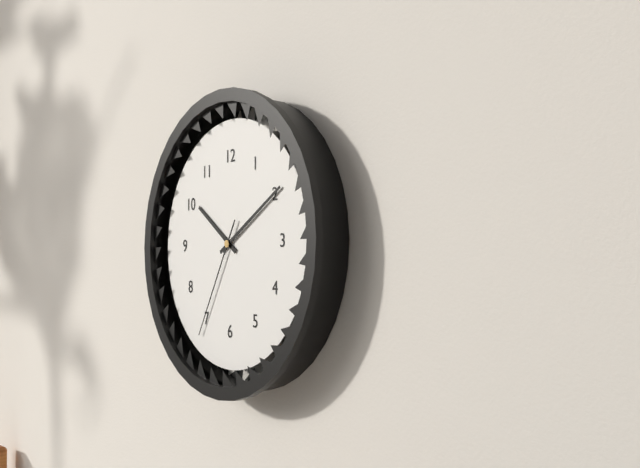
10:10:35
